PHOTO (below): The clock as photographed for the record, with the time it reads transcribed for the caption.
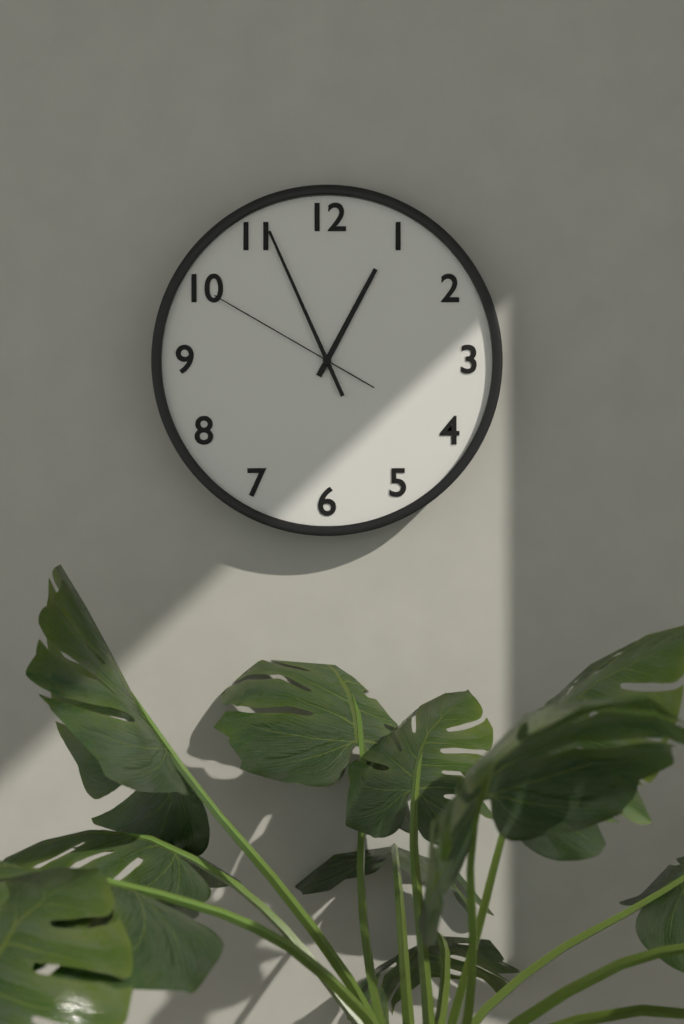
12:56:50
